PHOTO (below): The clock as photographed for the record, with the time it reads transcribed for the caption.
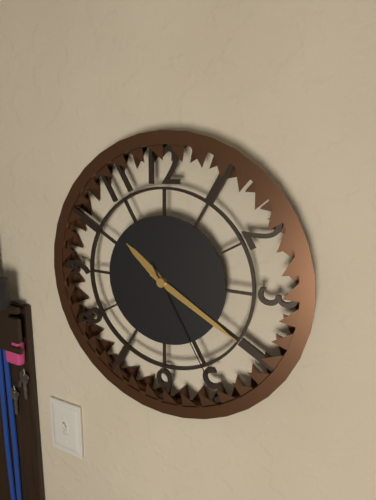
10:20:25
